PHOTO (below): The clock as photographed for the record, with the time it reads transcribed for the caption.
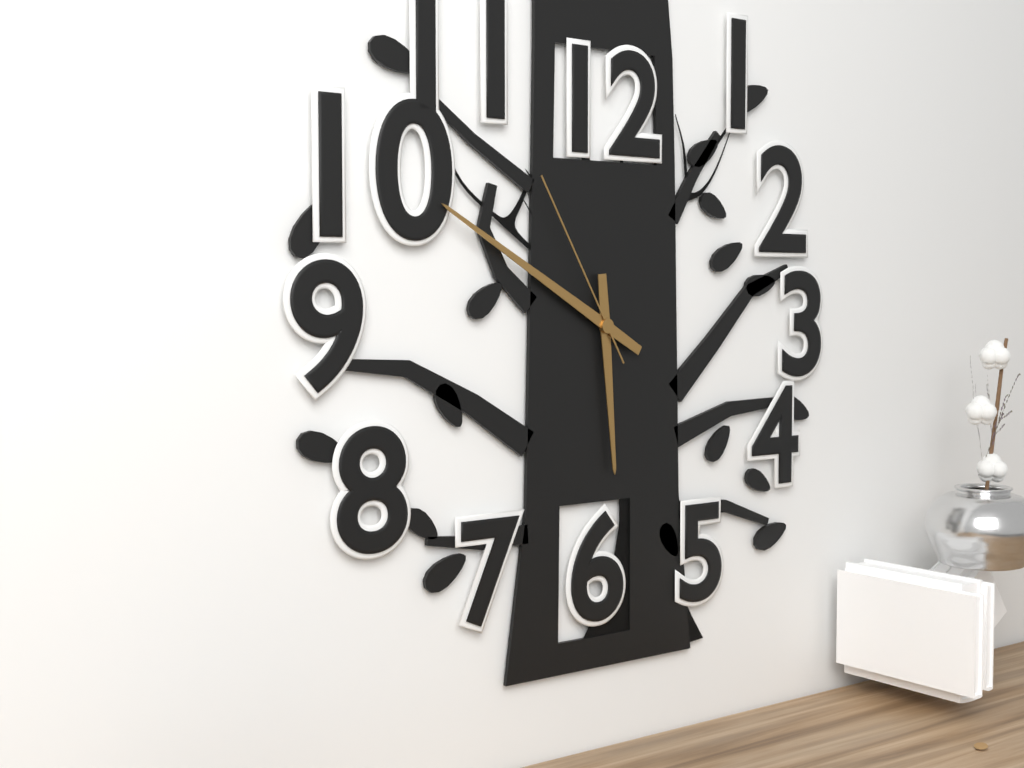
5:50:55
